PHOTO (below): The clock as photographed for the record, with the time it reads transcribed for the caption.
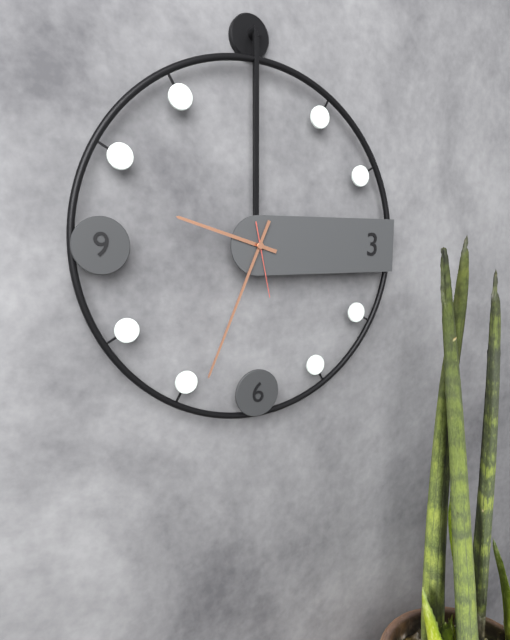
9:34:28
